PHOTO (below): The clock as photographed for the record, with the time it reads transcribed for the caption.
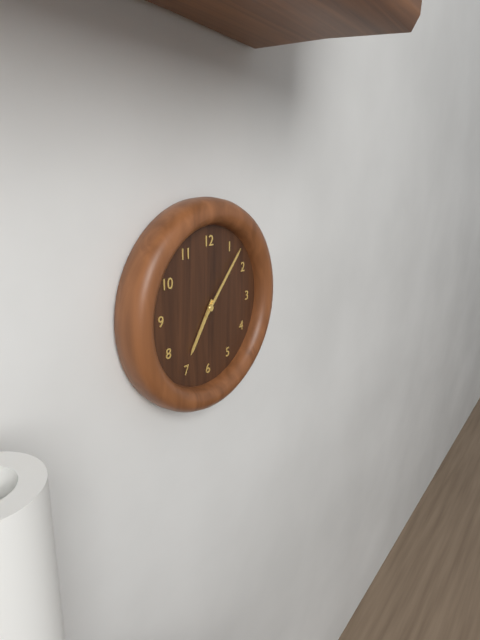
7:07
